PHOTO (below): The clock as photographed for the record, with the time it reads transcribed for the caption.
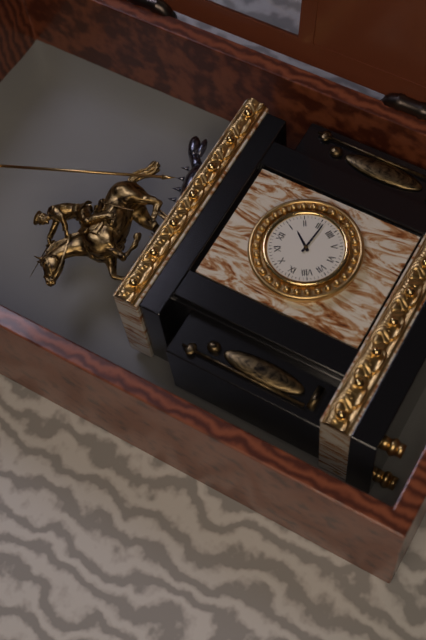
1:16
